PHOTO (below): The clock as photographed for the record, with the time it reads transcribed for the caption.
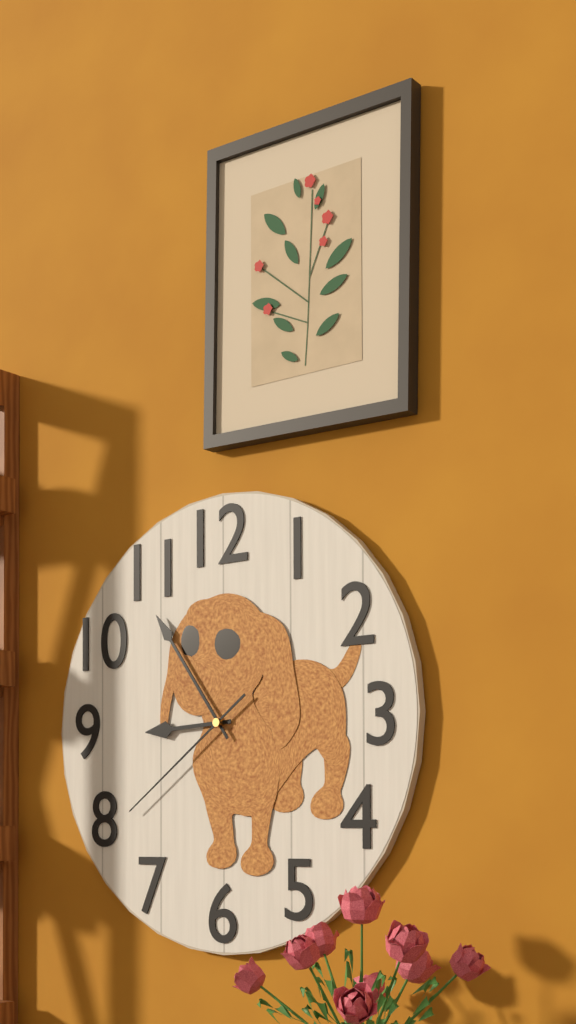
8:54:39
